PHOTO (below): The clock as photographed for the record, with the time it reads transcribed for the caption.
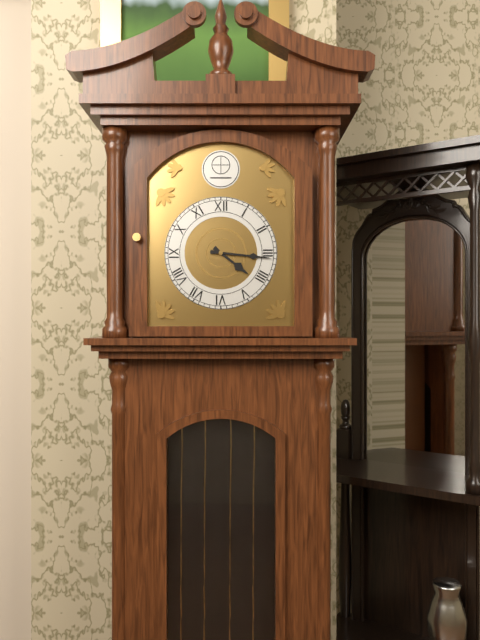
4:16
